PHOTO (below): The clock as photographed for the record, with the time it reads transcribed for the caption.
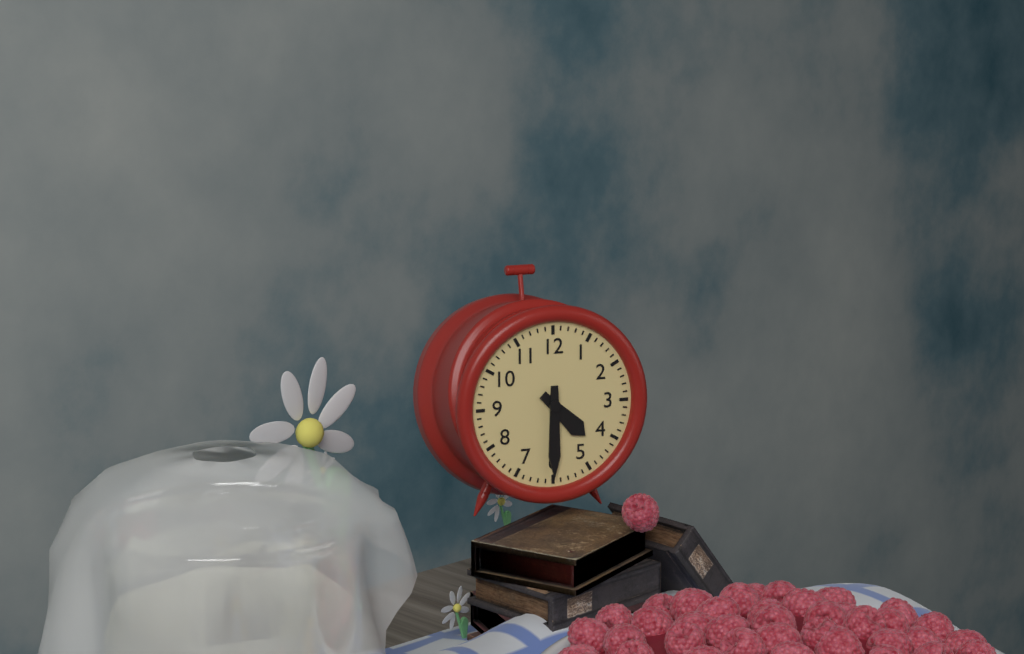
4:30
